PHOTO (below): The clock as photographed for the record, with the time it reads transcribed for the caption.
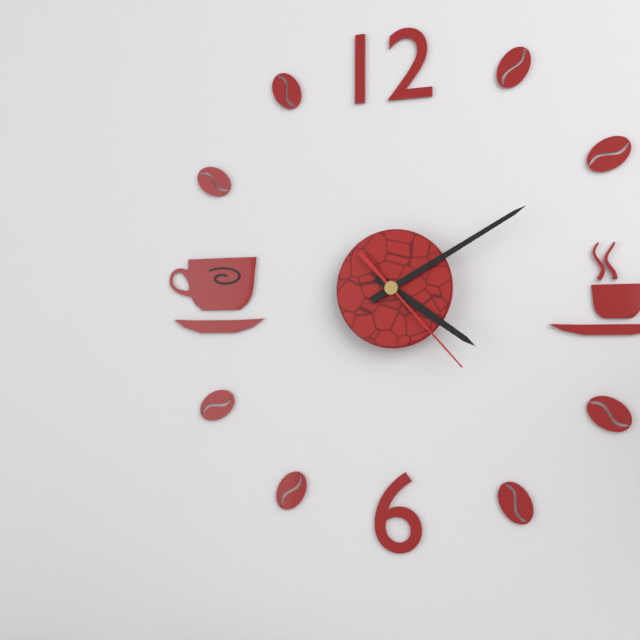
4:10:23
